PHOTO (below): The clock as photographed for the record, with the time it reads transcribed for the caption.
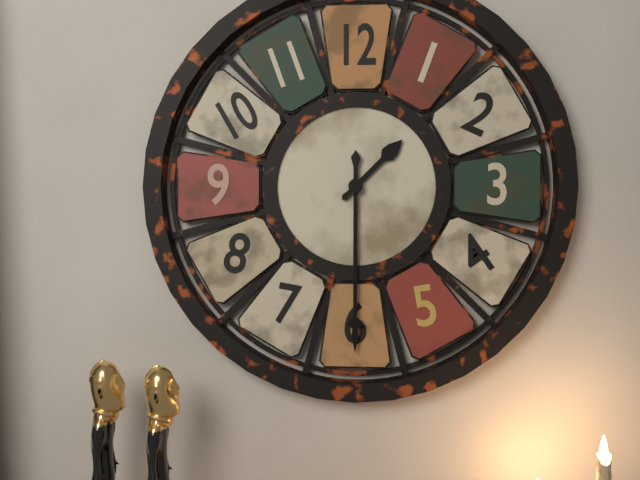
1:30
